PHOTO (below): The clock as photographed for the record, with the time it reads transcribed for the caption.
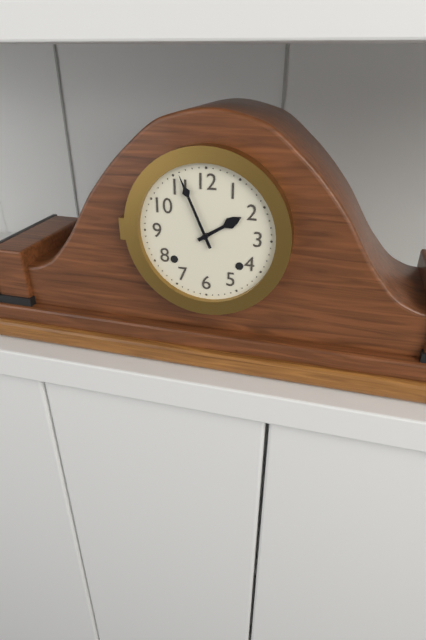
1:56
